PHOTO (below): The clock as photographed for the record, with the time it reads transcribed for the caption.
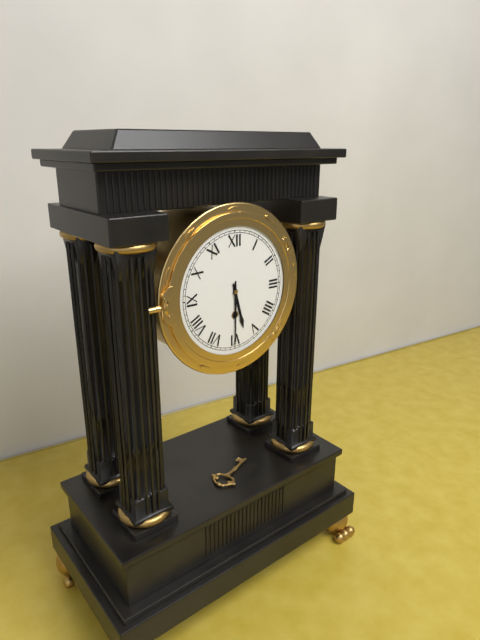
5:30
